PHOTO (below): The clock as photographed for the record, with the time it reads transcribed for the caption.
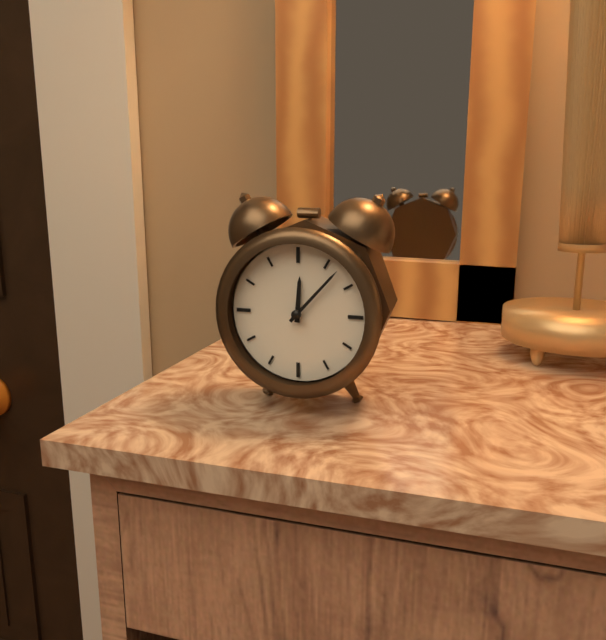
12:07
